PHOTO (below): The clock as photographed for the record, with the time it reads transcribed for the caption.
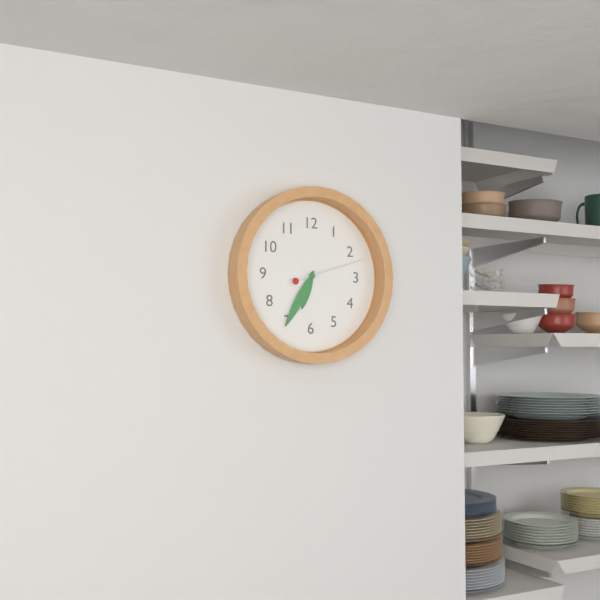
6:35:12
